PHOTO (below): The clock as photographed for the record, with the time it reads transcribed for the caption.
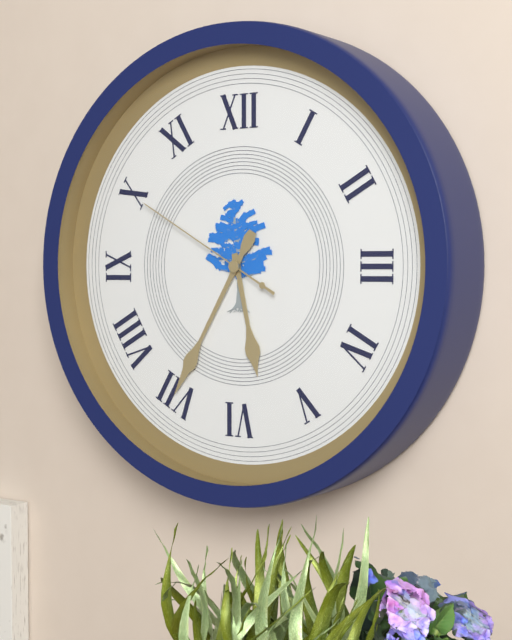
5:35:50
